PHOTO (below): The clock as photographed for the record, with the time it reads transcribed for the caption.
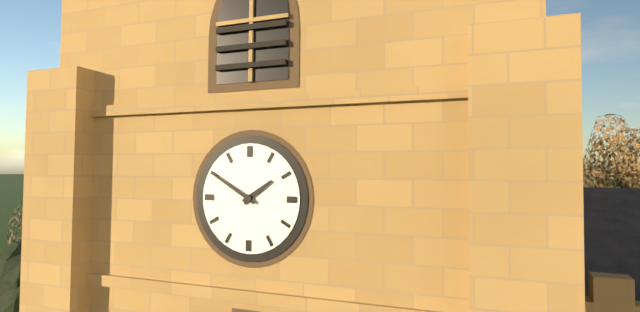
1:50
